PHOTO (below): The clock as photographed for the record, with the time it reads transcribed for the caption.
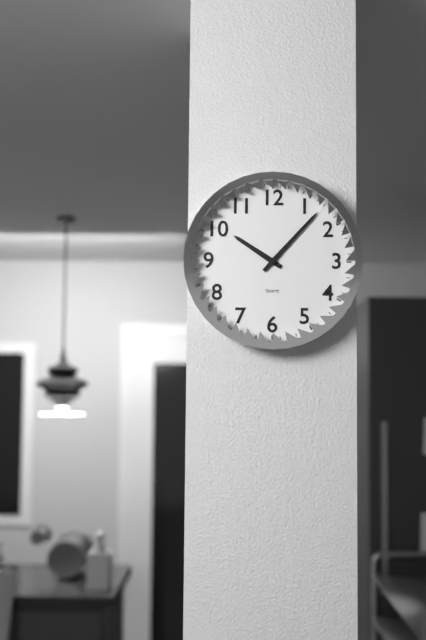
10:07
